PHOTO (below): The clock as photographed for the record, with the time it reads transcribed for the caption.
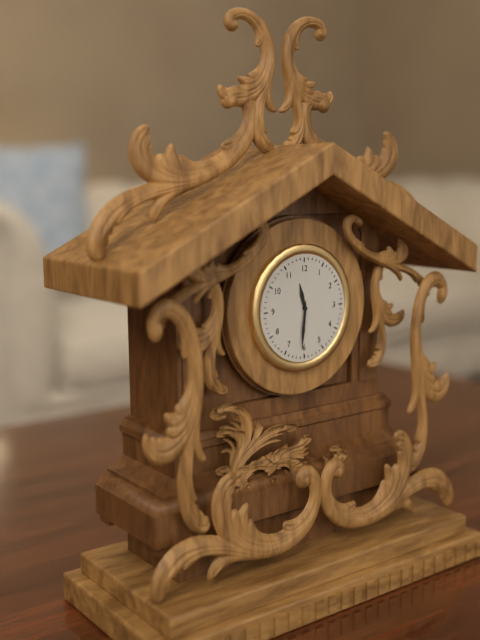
11:31
